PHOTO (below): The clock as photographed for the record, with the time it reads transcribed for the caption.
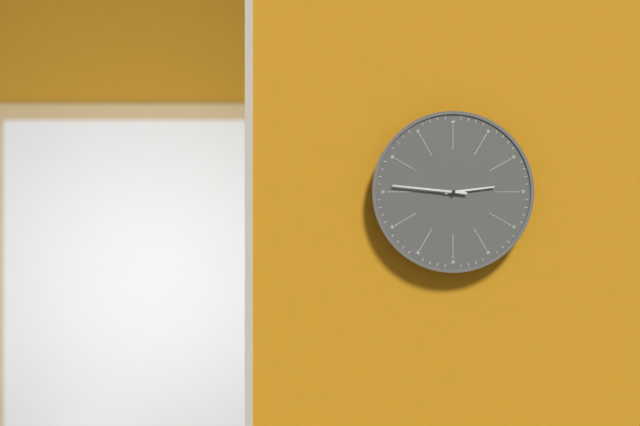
2:46
